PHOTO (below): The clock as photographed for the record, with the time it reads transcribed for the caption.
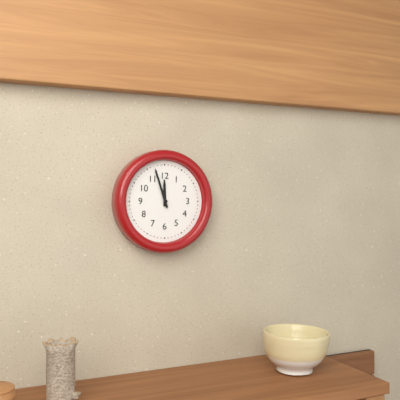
11:57
